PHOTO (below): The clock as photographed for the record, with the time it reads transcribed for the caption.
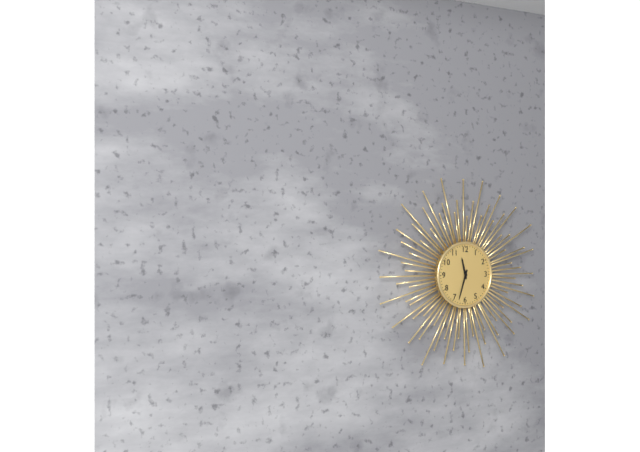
11:33
